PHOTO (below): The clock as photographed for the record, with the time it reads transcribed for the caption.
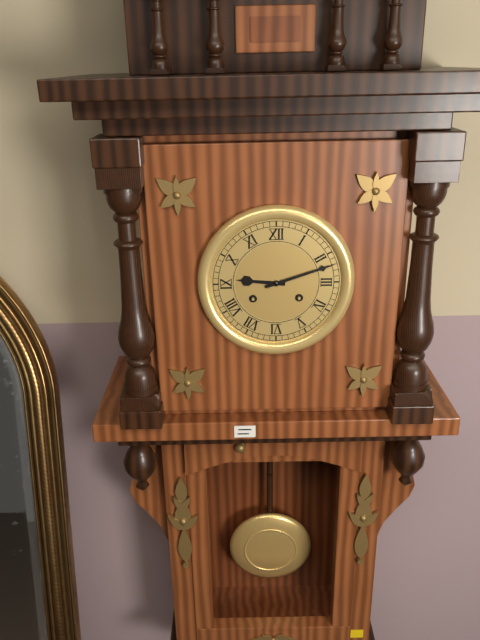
9:12
